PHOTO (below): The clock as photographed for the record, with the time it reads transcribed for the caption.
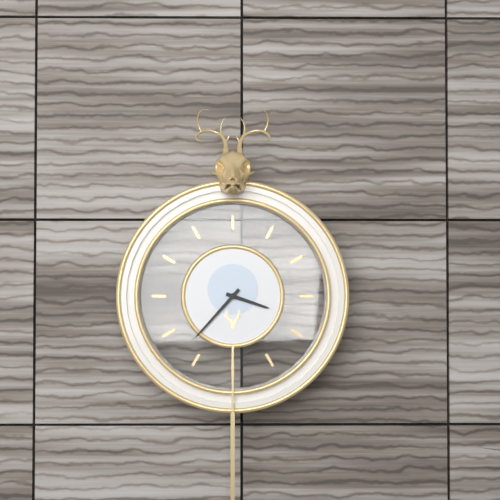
3:37
